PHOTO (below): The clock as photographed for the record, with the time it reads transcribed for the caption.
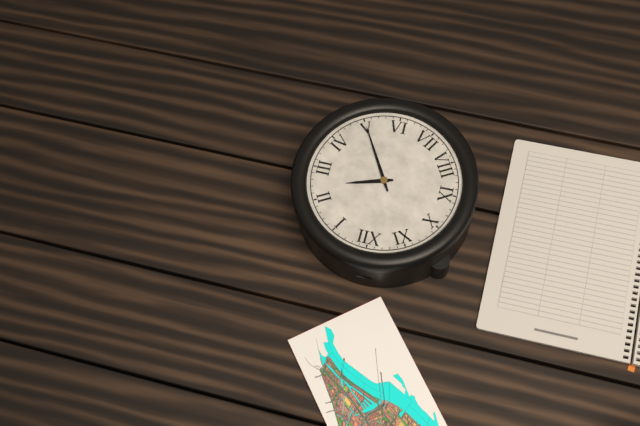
2:25
